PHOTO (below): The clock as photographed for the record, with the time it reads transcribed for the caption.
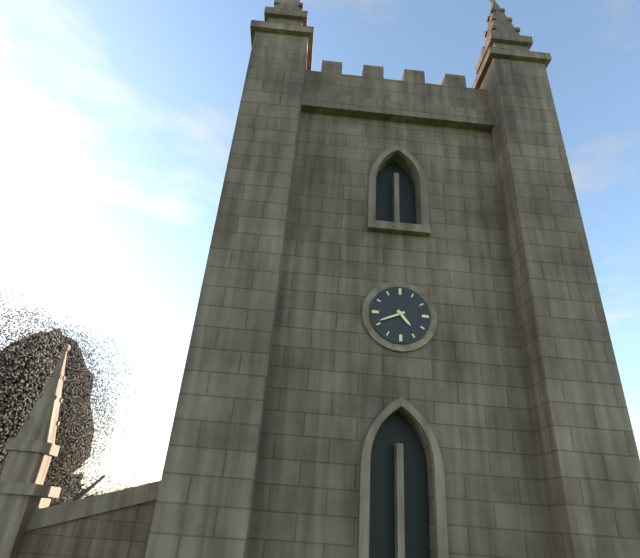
4:41
